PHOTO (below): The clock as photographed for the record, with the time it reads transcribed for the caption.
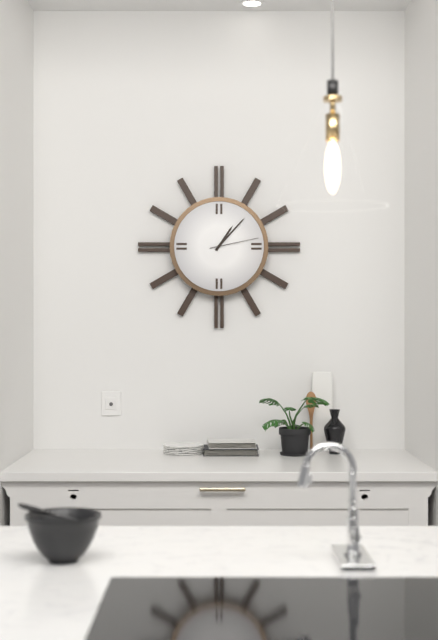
1:07:13
